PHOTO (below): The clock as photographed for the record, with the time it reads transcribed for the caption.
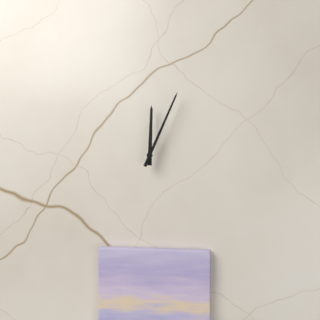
12:04
